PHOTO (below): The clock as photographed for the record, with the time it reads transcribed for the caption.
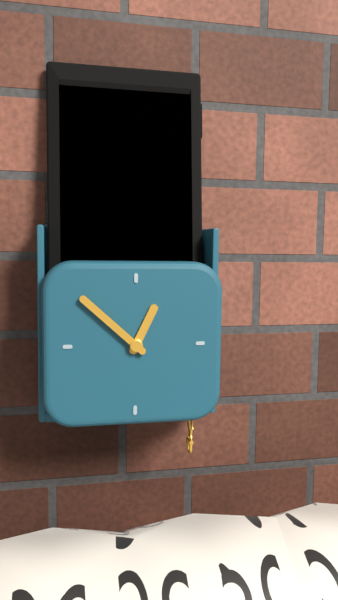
12:52
